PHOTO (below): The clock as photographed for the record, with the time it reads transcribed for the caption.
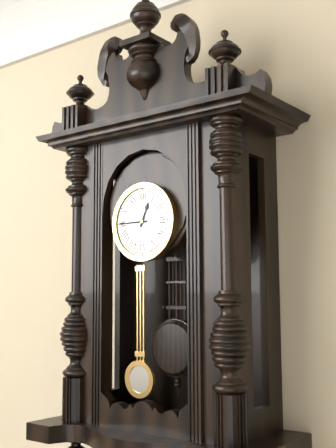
12:45
